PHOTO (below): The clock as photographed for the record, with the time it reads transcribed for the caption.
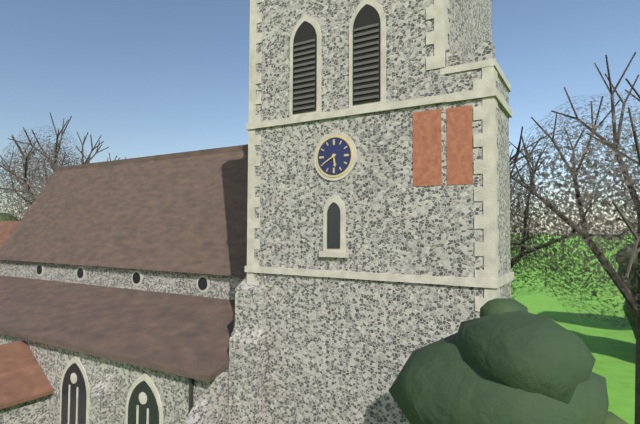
5:40
